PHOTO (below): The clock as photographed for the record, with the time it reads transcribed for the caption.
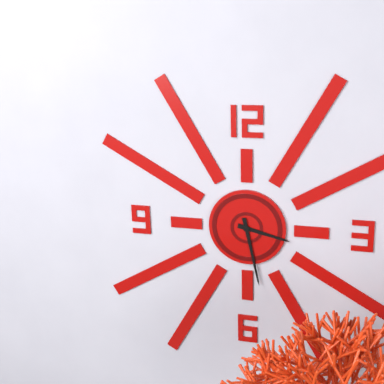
3:28
